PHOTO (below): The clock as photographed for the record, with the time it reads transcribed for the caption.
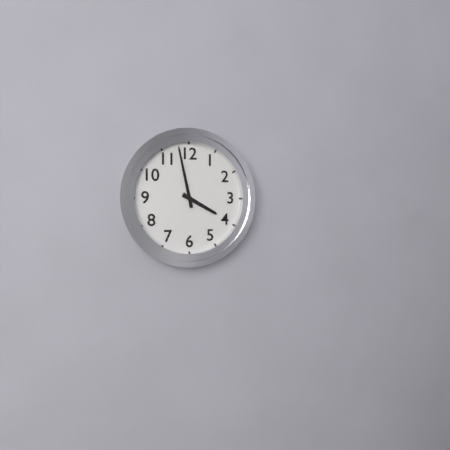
3:58
